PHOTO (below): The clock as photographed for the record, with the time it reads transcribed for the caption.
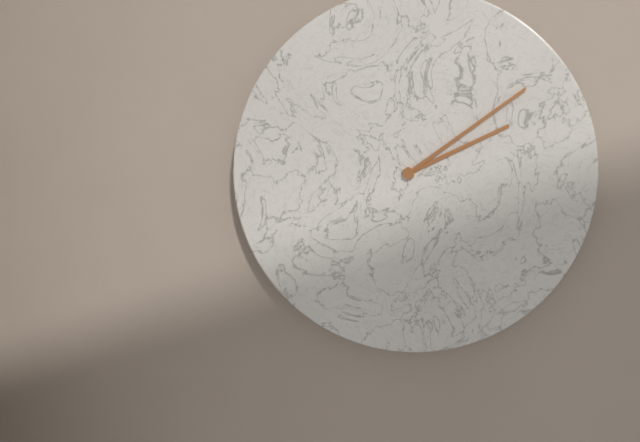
2:09
